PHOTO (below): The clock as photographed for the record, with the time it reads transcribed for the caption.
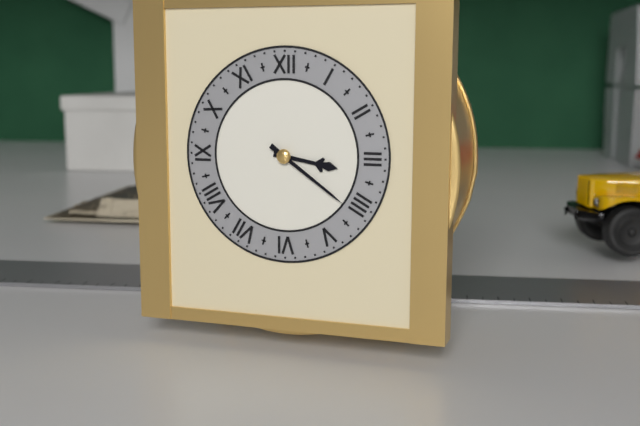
3:21
